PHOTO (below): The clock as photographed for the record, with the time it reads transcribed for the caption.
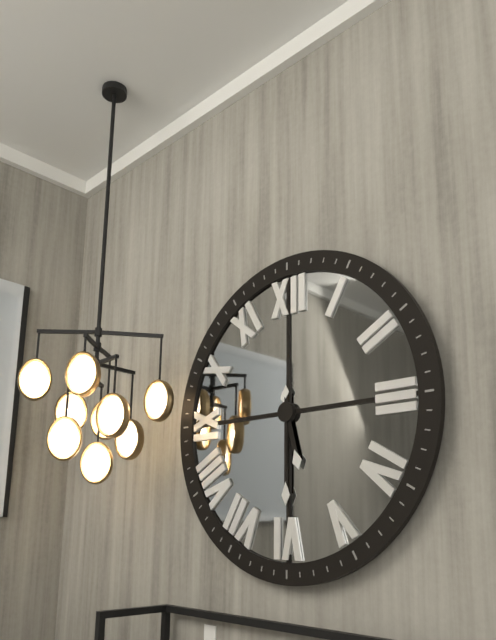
5:30
